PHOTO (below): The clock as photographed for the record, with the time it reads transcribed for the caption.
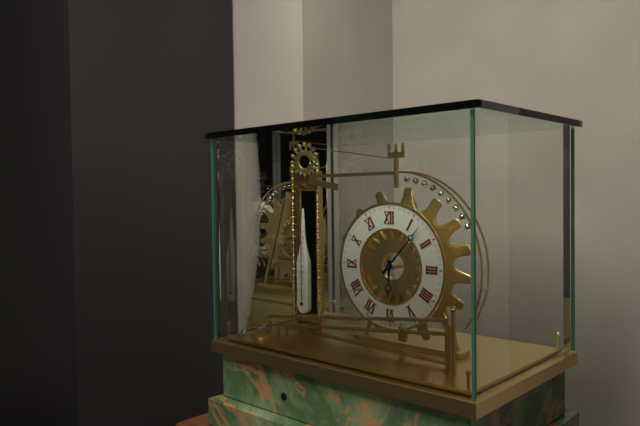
6:07
